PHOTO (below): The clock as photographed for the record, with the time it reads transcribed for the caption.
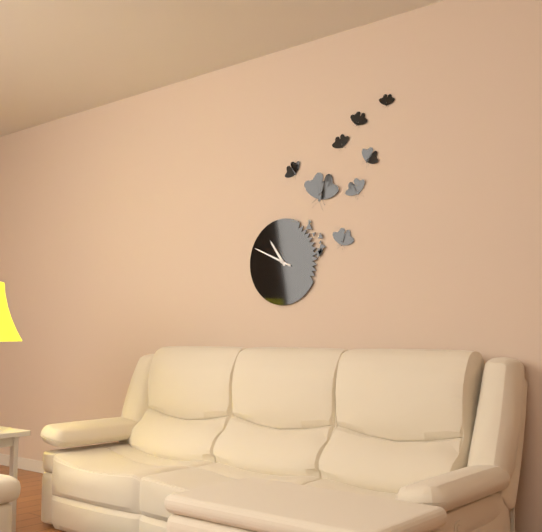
10:49
